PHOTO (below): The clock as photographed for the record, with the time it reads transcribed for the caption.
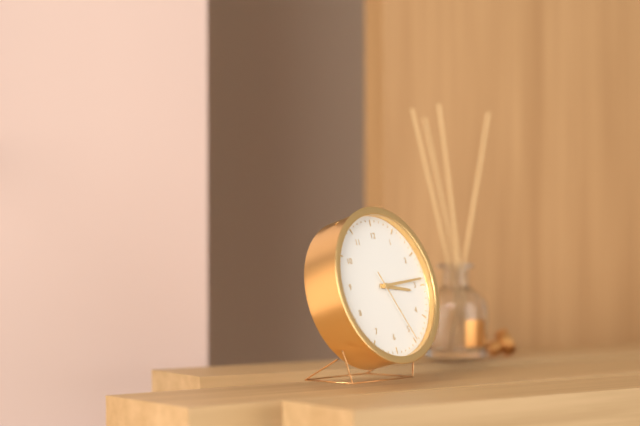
3:14:25
